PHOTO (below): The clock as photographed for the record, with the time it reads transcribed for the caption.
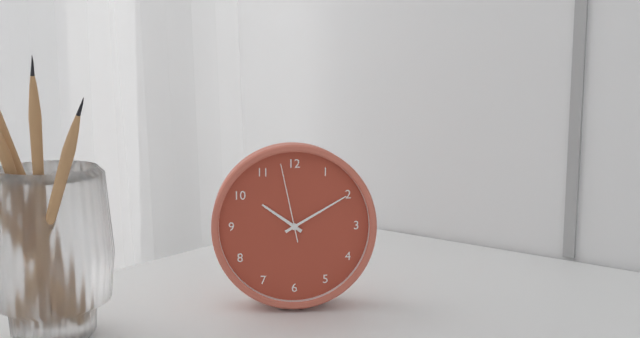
10:10:58
